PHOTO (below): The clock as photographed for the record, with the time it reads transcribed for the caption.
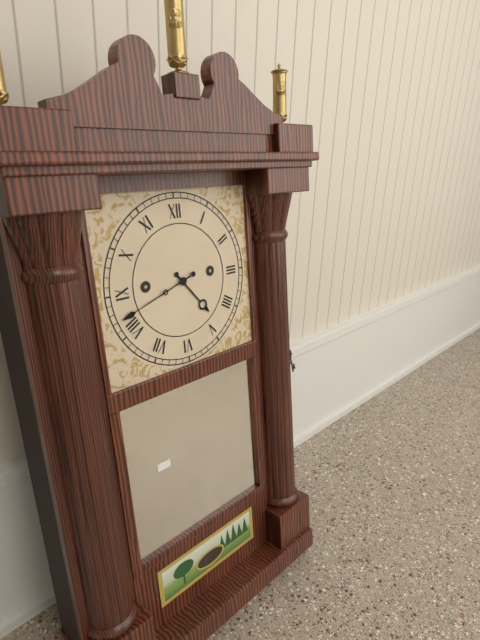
4:42
